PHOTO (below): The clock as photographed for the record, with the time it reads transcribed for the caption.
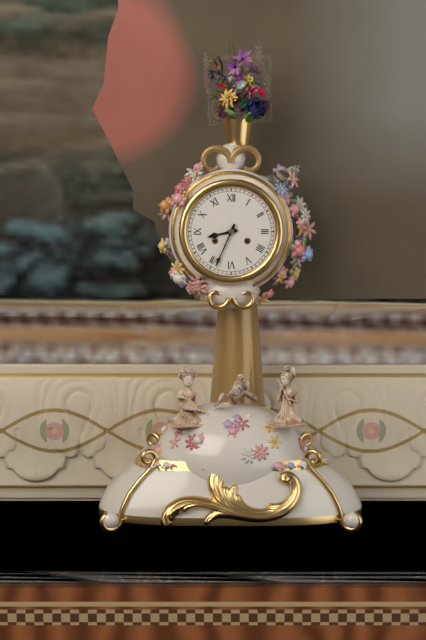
8:34
